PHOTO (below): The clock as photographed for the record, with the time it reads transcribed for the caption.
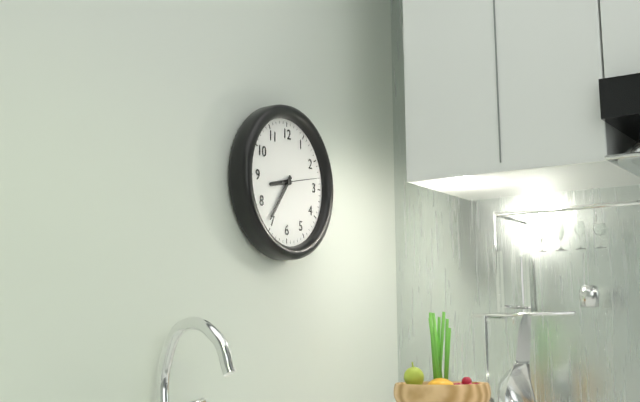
8:36
